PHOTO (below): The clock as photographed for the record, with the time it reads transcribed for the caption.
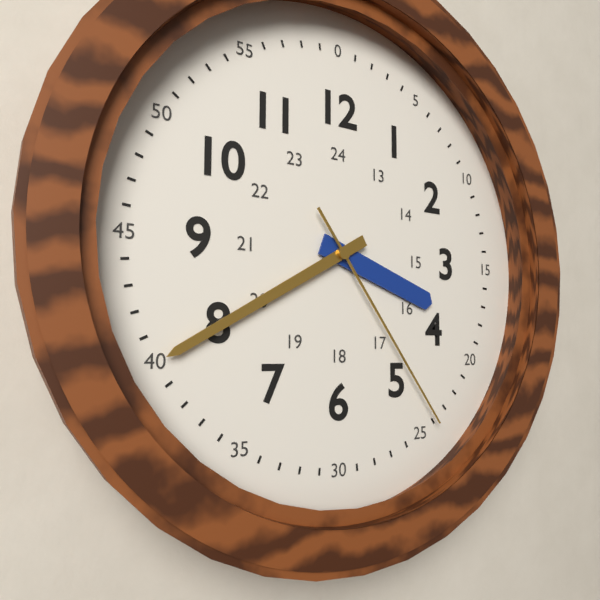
3:40:24
